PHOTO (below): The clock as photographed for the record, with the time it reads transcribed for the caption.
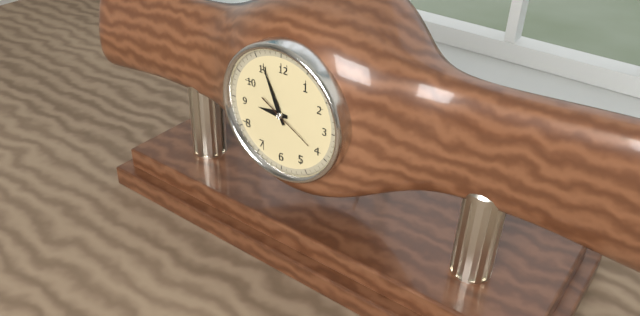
8:56:20
